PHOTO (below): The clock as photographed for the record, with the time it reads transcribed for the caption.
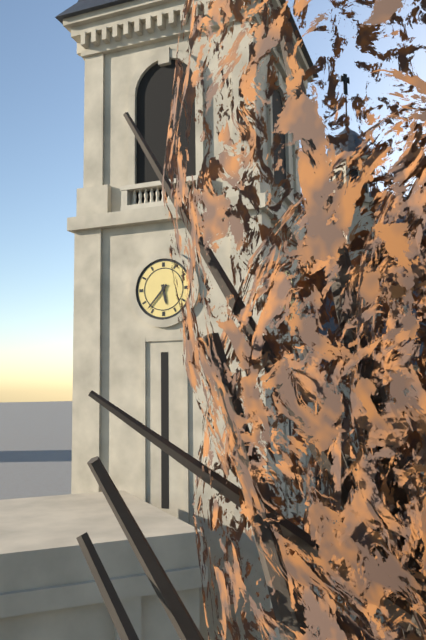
5:37
